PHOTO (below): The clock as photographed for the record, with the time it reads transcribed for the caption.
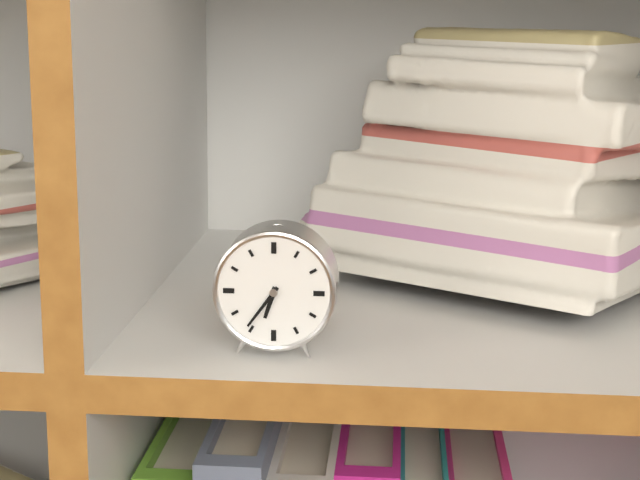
6:36
